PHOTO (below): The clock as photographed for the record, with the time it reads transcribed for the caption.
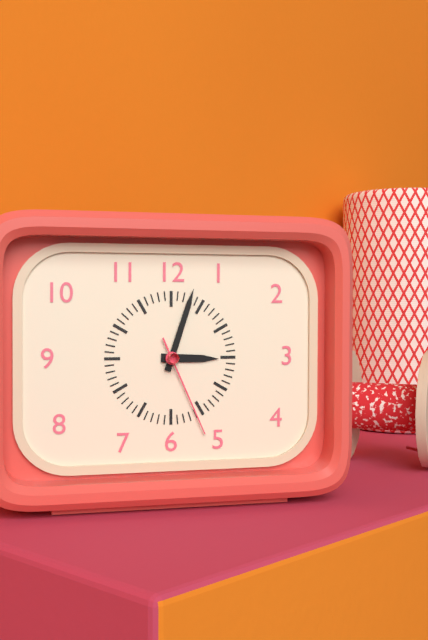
3:03:26
